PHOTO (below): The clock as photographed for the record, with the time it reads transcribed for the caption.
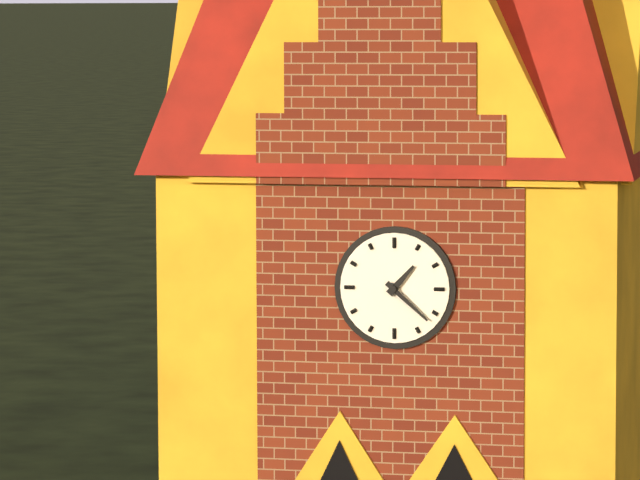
1:22
